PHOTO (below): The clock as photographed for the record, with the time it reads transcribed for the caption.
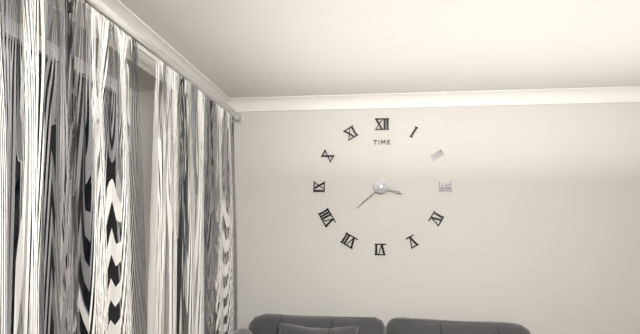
3:38
